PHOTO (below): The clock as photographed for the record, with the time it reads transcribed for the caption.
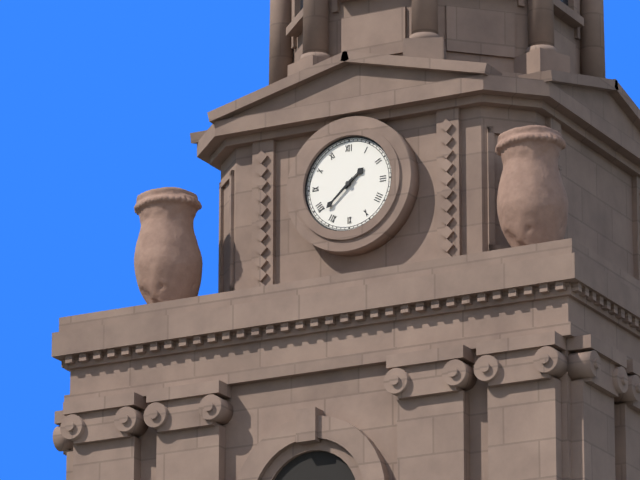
1:38
